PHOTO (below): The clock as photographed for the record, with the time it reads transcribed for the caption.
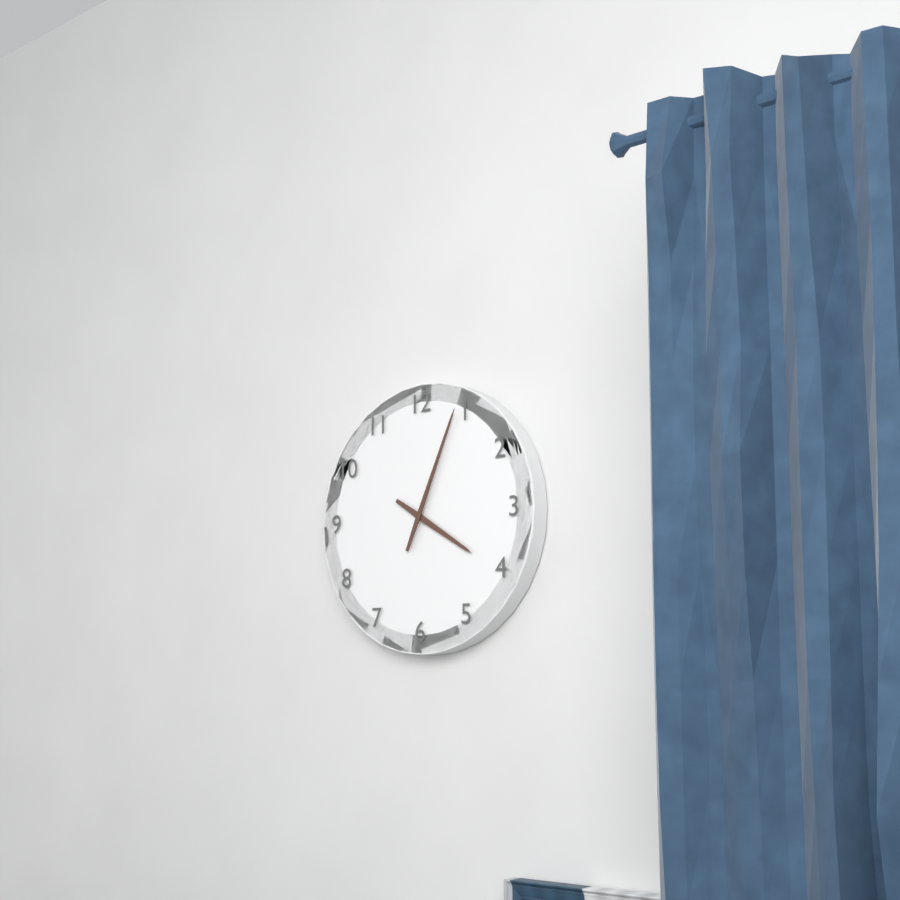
4:04
